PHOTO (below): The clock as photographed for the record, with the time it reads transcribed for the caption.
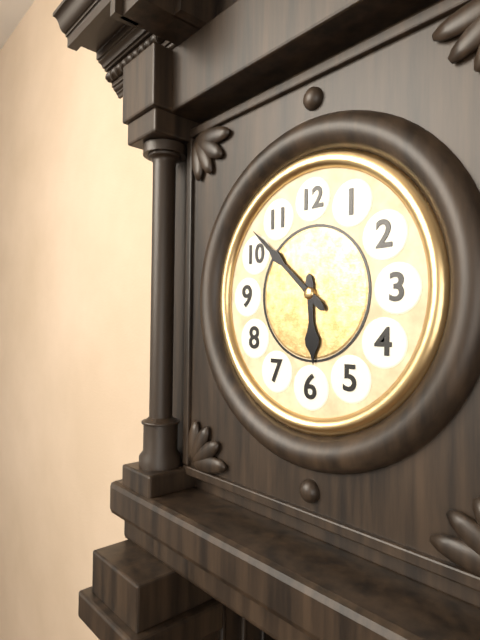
5:52
